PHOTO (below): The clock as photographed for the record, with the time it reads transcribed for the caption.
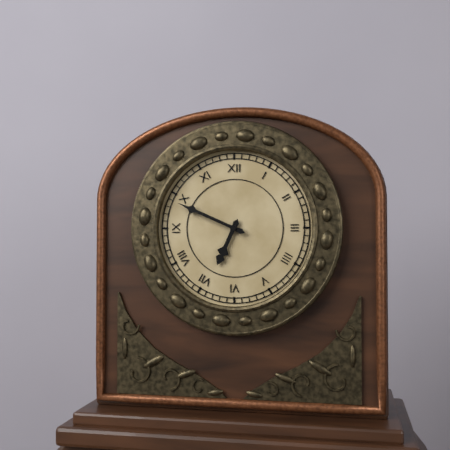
6:49
